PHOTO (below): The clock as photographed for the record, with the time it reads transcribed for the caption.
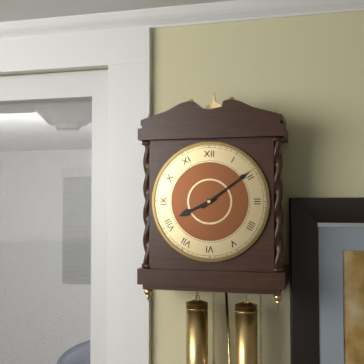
8:09
